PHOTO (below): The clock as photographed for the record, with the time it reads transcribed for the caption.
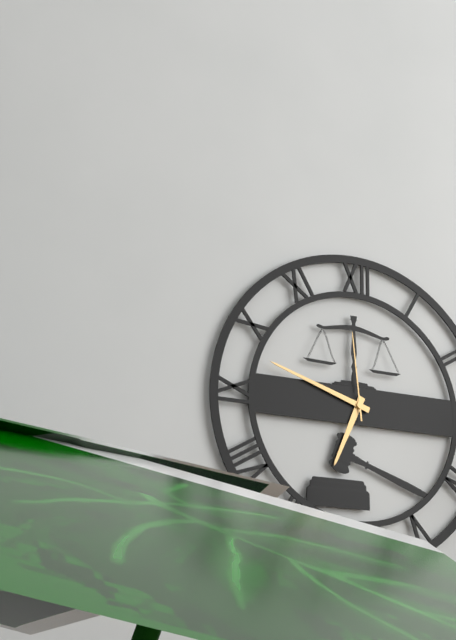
6:48:59
